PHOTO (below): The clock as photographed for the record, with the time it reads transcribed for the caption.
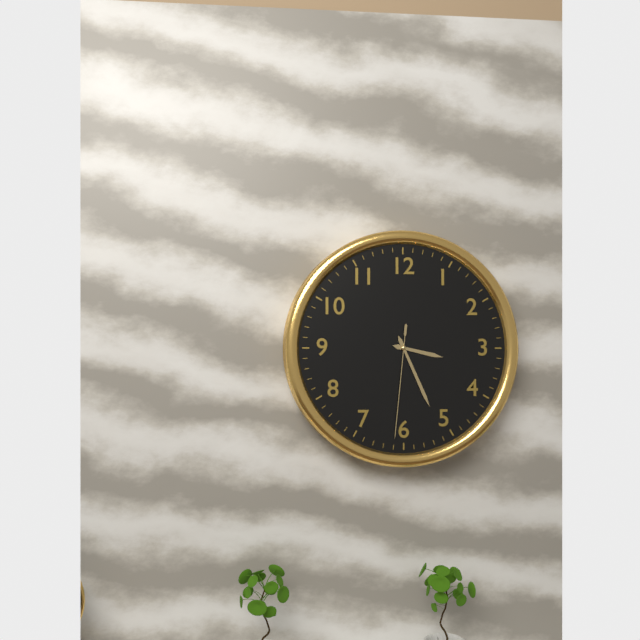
3:26:31
